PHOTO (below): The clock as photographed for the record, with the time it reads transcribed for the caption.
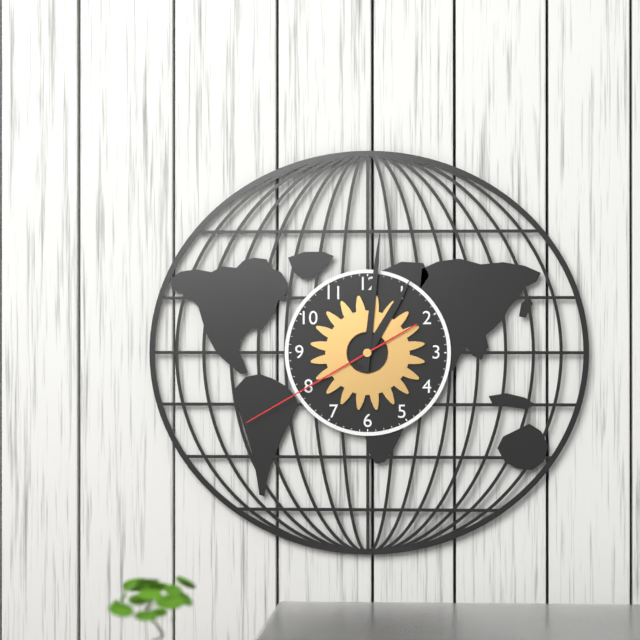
1:01:40
